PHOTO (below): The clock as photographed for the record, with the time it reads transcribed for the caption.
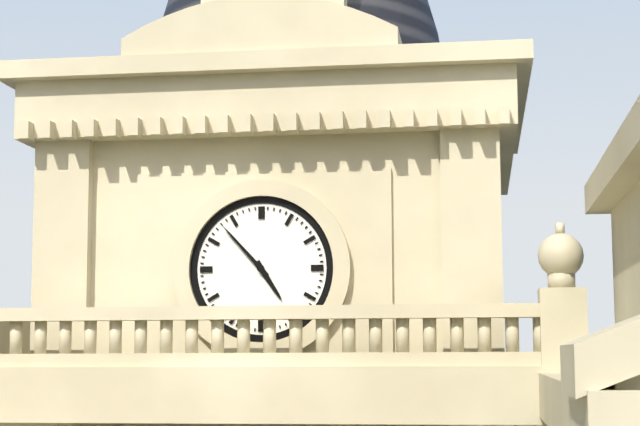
4:53
